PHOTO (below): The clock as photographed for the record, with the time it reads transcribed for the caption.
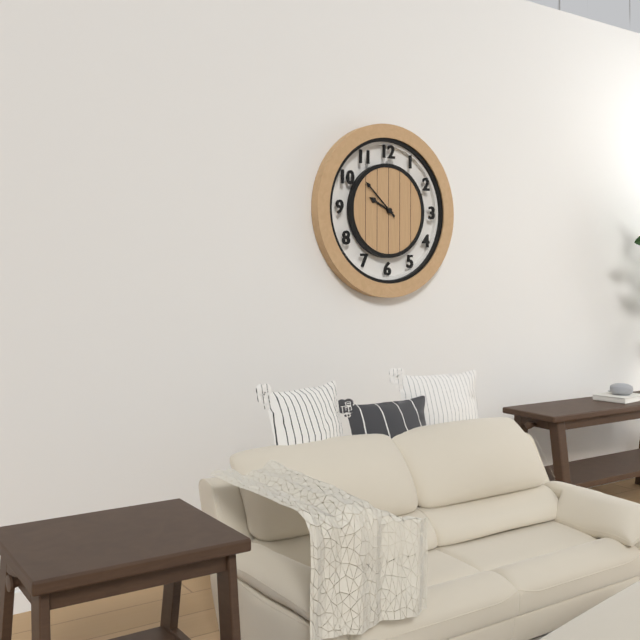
9:52
